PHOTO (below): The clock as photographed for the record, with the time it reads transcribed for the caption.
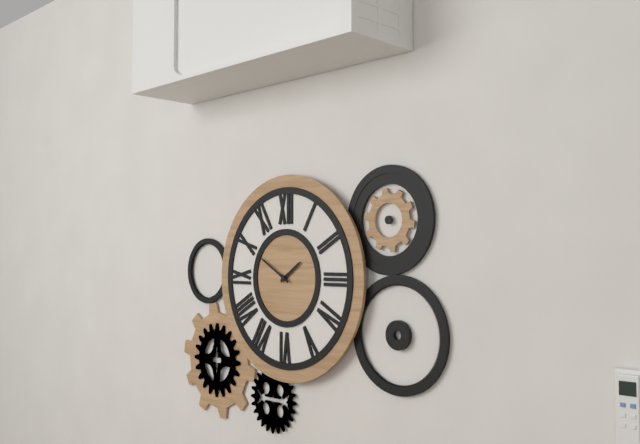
1:50
